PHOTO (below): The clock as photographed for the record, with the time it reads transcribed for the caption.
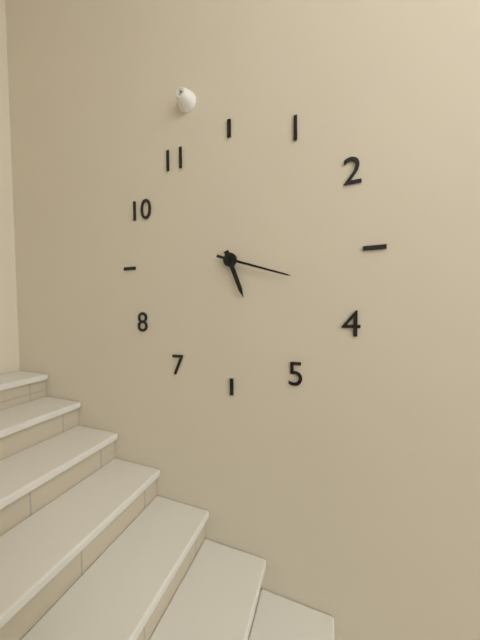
5:18
